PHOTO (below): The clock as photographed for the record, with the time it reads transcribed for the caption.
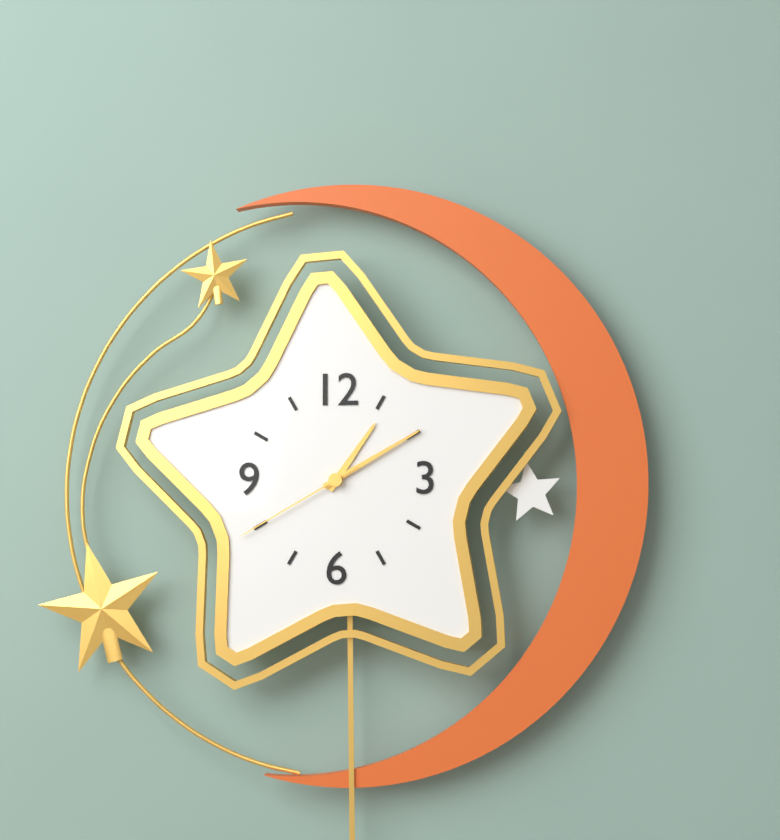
1:10:40
